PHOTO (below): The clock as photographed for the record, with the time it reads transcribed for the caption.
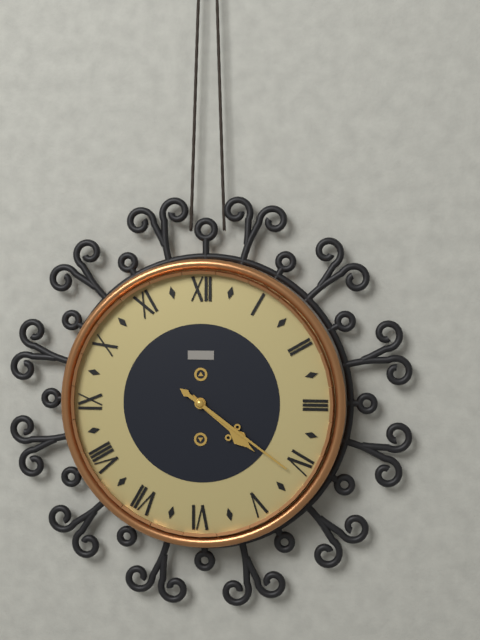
4:21
